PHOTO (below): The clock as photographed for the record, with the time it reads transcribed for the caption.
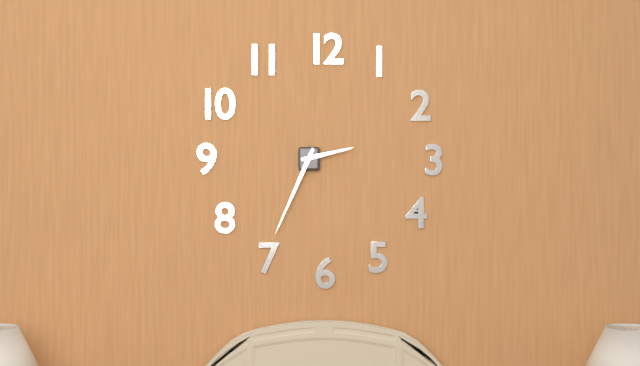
2:34
